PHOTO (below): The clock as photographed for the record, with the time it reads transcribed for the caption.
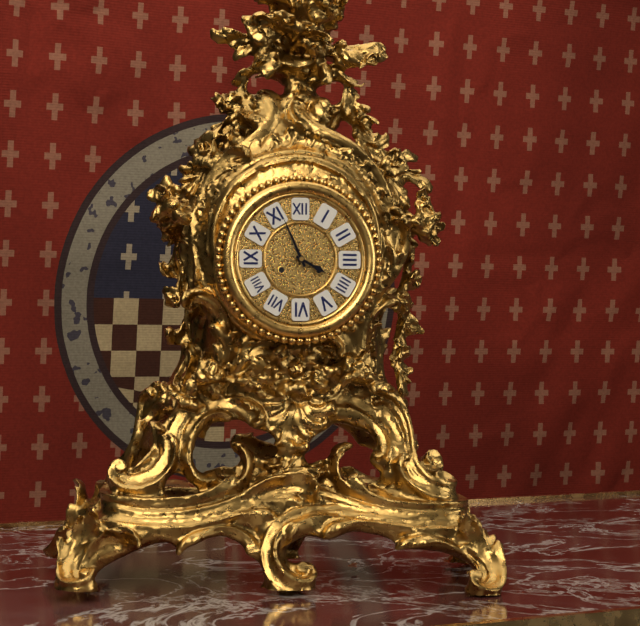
3:56
